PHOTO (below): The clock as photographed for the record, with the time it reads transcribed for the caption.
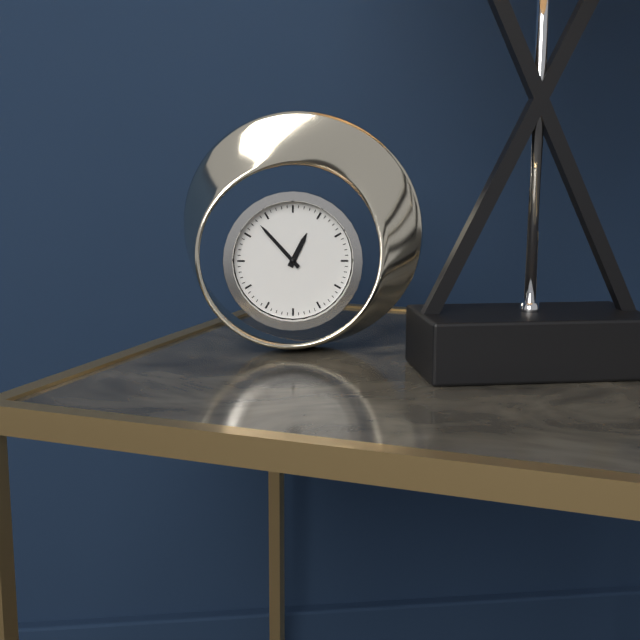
12:53
